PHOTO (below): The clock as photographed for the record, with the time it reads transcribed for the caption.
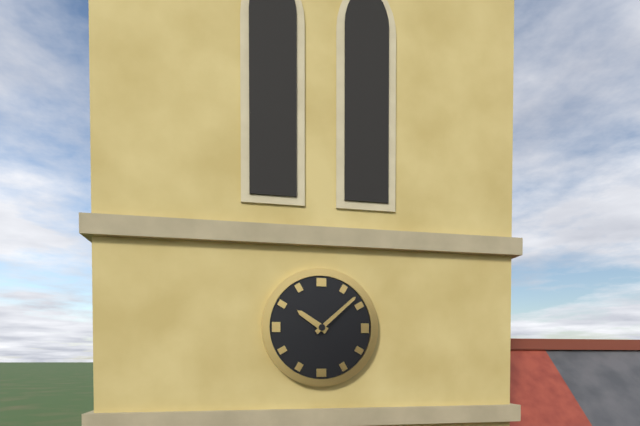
10:08
